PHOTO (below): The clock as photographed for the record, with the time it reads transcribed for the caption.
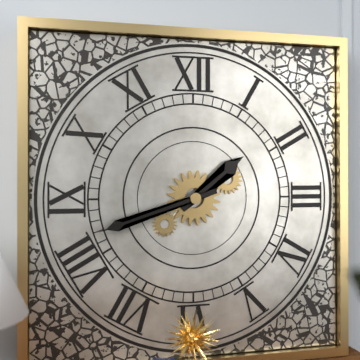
1:42
